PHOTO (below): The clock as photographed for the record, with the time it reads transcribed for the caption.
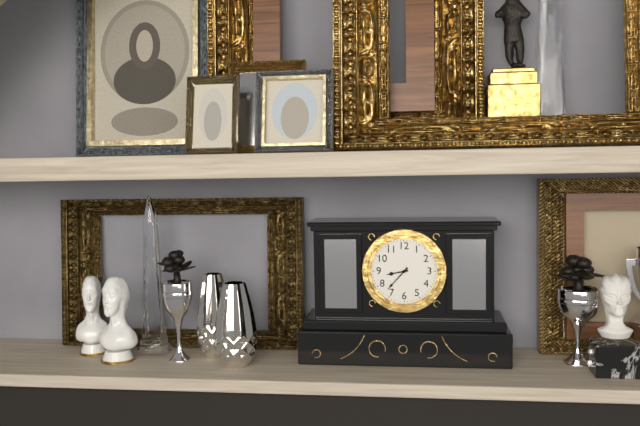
8:37
